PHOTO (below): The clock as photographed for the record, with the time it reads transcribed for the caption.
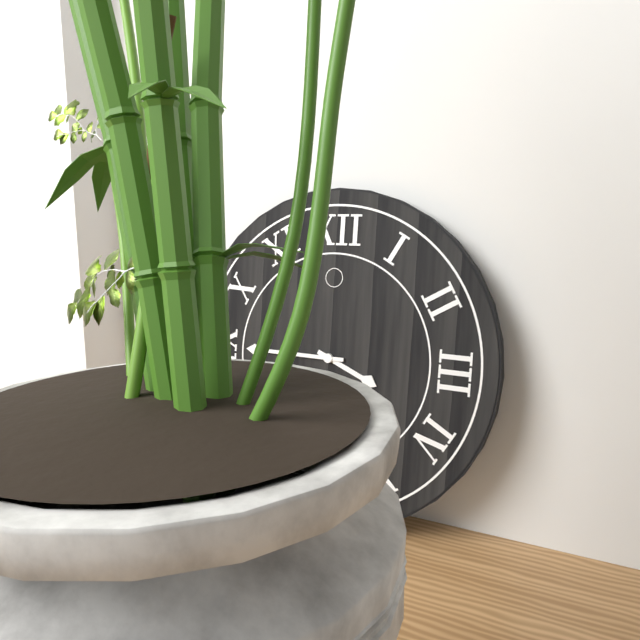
3:45
